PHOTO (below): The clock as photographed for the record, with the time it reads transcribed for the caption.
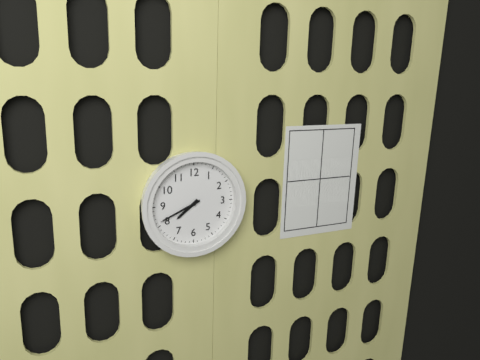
7:41
